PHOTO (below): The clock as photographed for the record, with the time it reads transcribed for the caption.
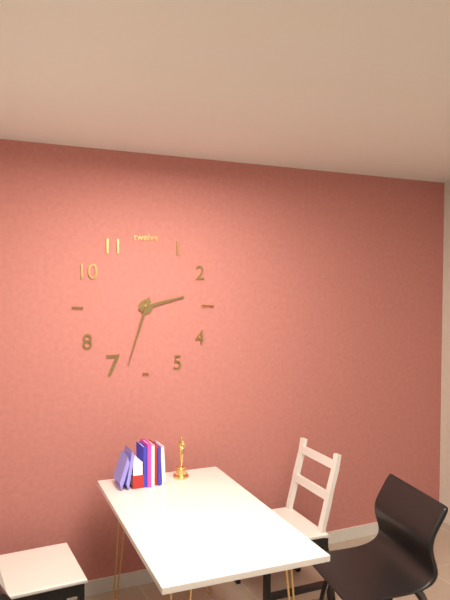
2:33
